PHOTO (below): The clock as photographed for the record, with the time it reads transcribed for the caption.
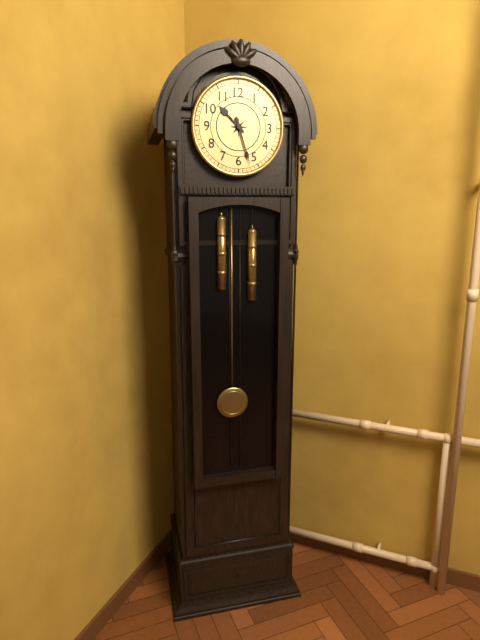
10:27
